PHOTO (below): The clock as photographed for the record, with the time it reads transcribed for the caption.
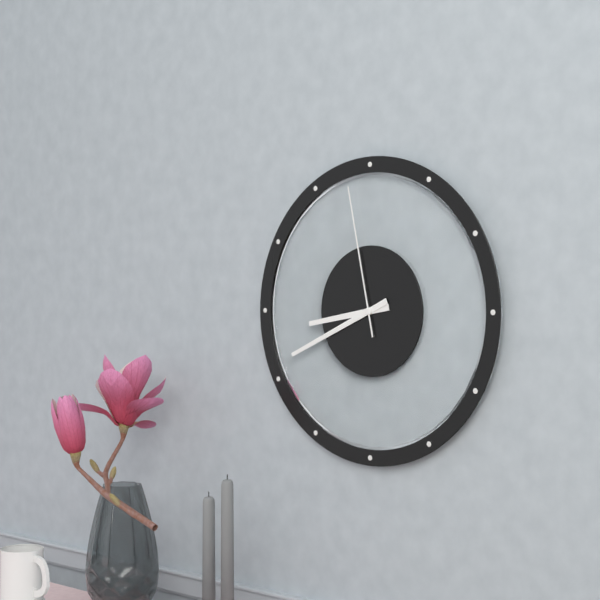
8:41:58
